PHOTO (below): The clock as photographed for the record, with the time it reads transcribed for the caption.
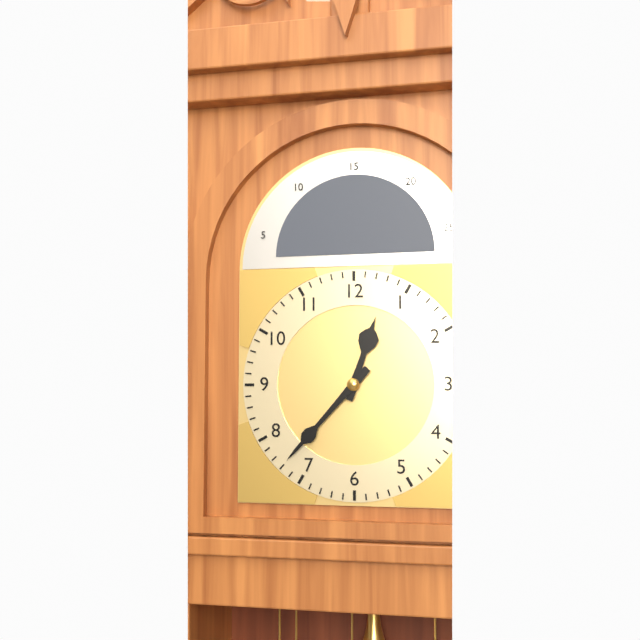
12:37
